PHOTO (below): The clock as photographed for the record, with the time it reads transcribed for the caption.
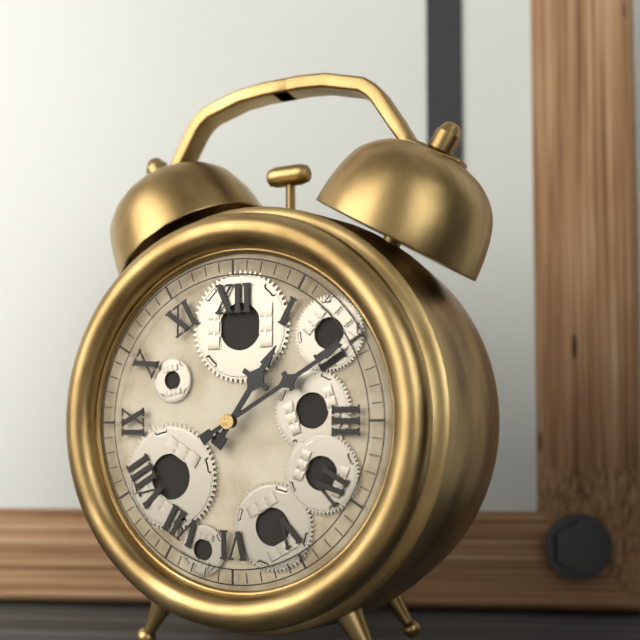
1:10
